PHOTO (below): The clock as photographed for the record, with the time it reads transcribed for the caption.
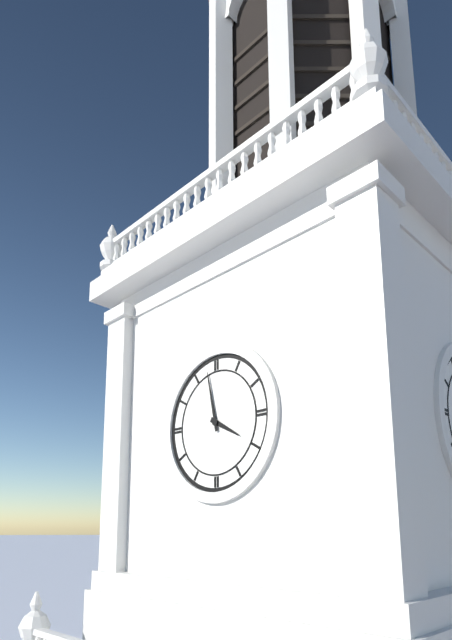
3:58
